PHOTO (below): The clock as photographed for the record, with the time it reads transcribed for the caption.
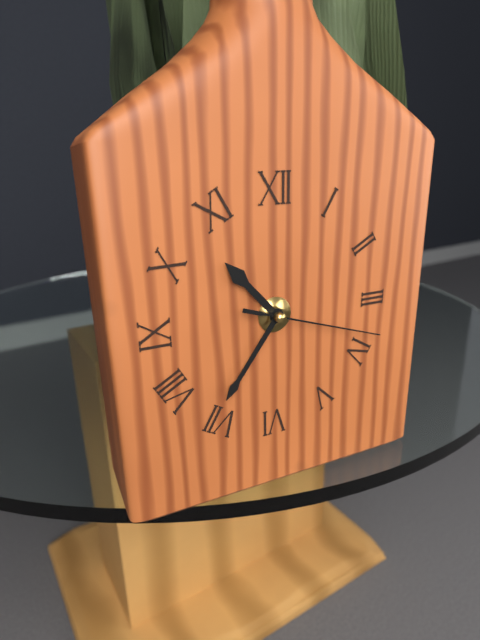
10:36:18
